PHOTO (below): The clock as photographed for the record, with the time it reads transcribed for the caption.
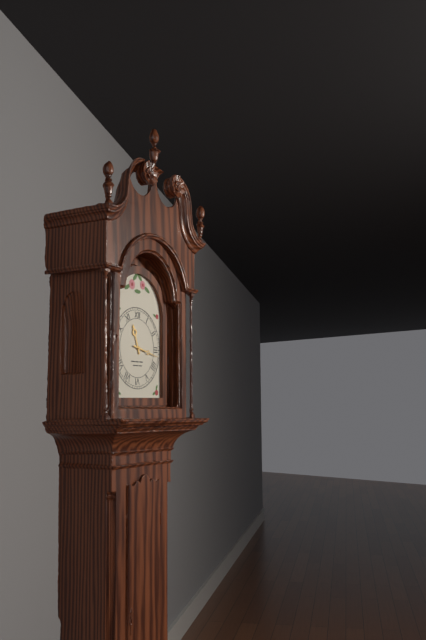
11:17
